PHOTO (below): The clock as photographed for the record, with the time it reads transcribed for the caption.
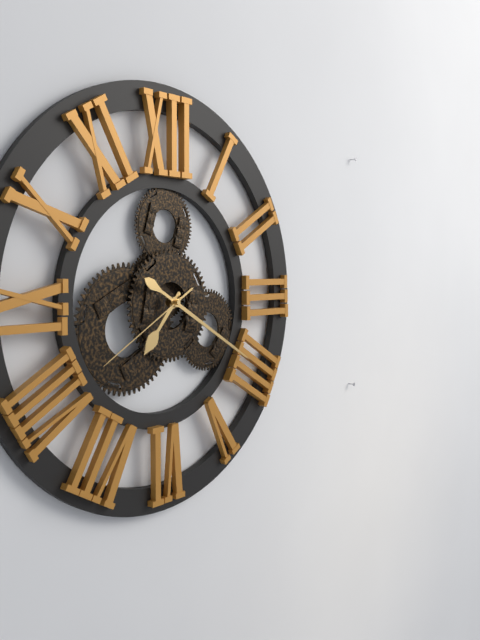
7:20:40
